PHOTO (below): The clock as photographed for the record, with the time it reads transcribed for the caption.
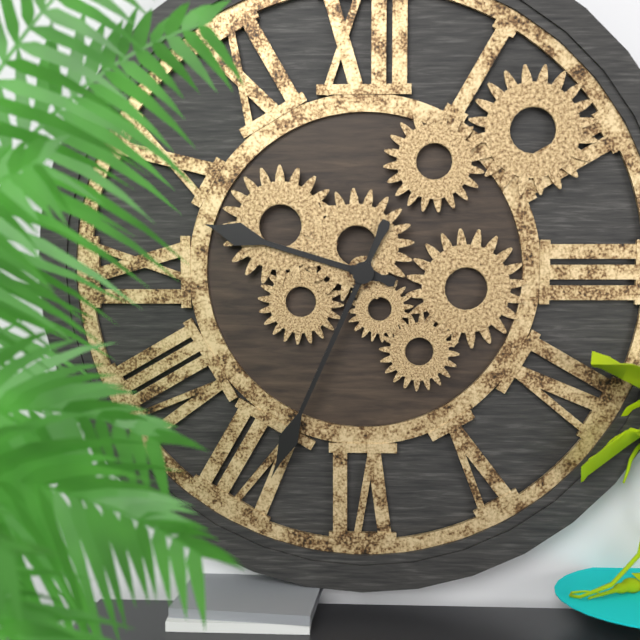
9:34
